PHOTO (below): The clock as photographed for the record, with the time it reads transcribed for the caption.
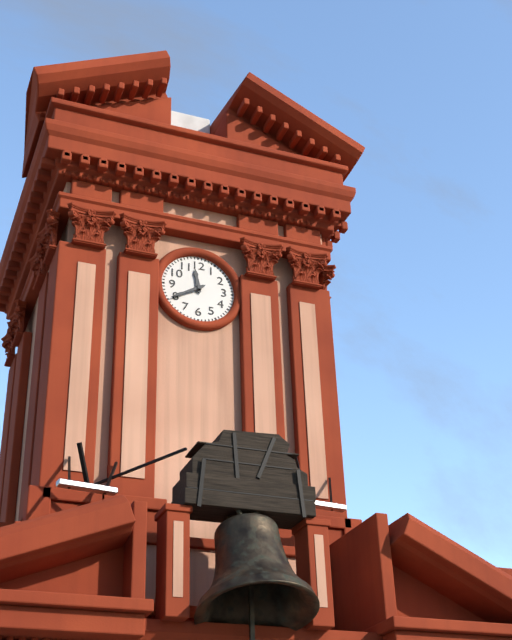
11:40
